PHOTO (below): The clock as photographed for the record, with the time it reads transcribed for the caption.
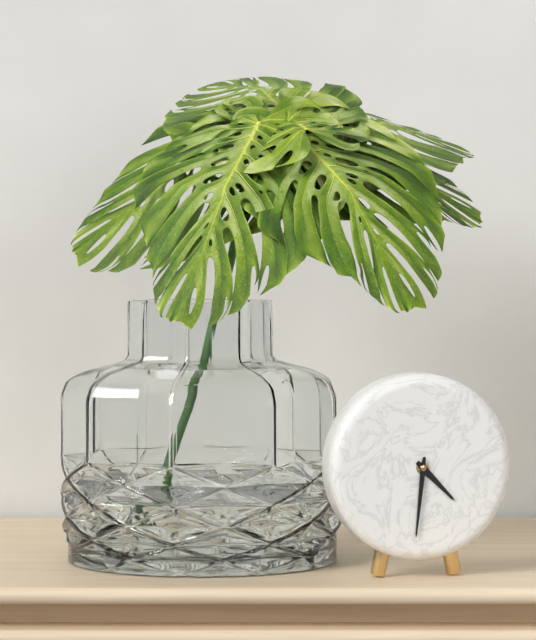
4:31
